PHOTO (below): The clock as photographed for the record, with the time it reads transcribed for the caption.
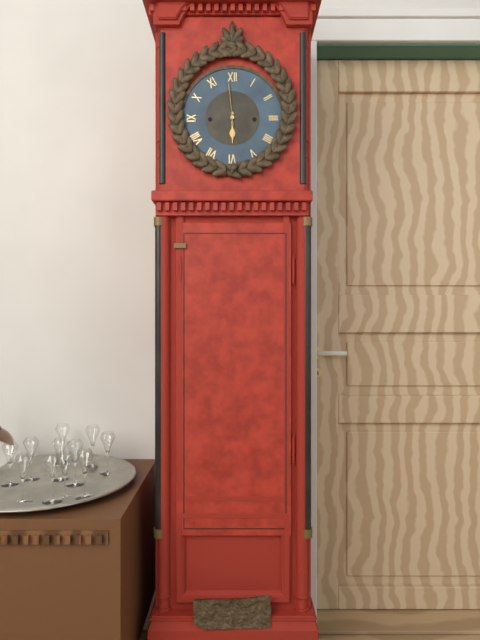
5:59
